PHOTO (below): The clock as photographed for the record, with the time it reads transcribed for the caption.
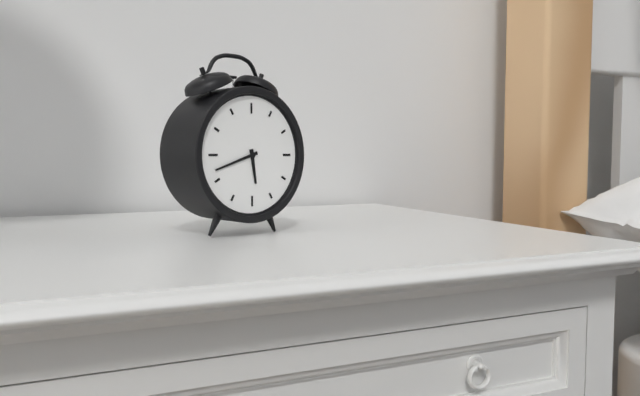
5:42
